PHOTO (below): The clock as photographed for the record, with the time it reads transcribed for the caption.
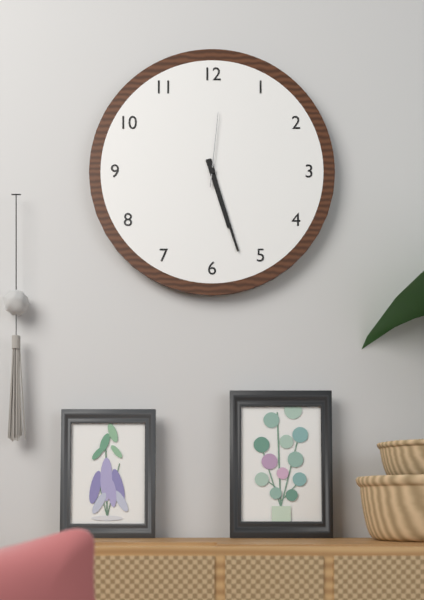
5:27:01
